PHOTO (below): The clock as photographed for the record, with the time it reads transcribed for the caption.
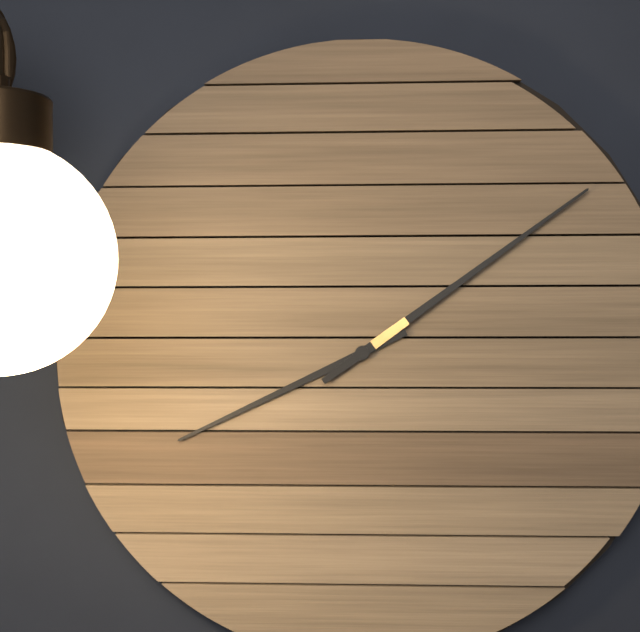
8:09
